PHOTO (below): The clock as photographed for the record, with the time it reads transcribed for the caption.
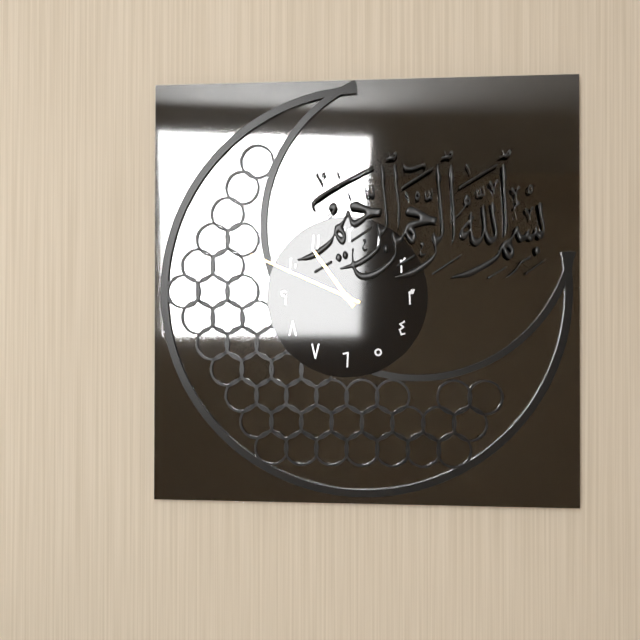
10:49
